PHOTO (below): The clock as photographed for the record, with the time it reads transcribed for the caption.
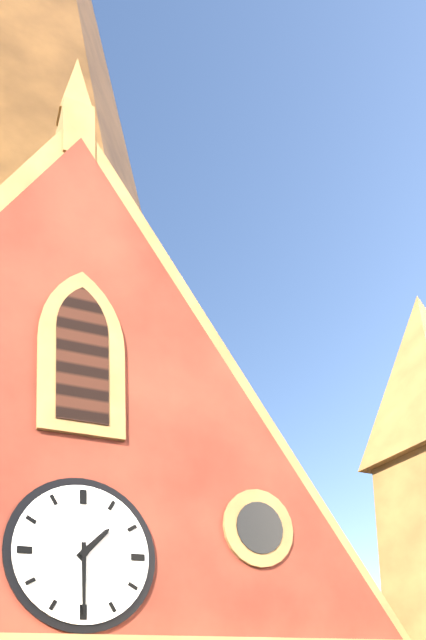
1:30
